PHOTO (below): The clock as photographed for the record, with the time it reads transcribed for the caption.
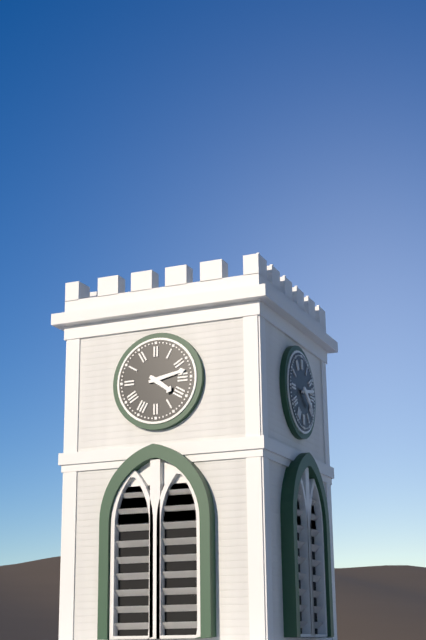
4:13
